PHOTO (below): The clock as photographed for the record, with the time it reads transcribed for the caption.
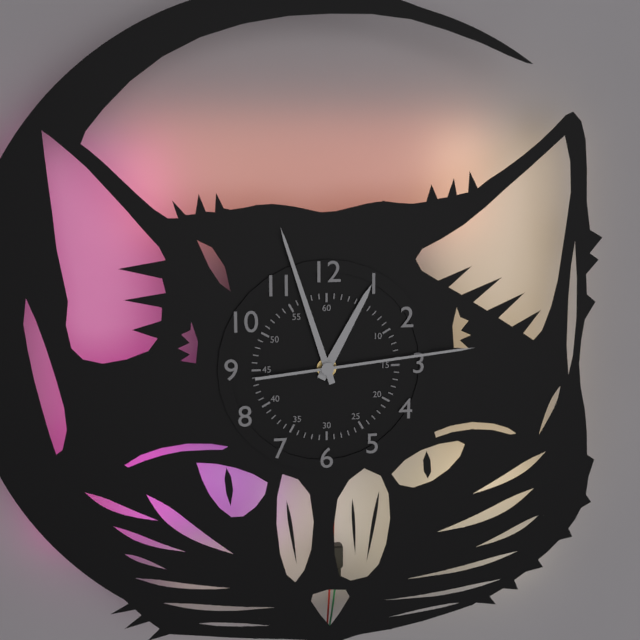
12:57:14
